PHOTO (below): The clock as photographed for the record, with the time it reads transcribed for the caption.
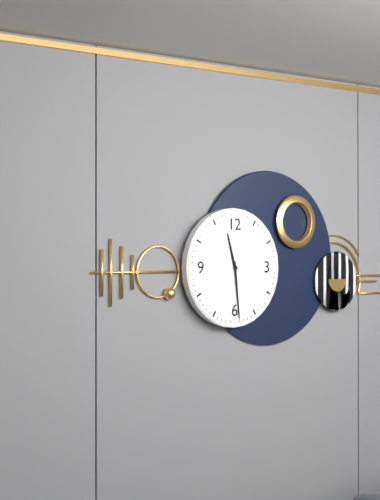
11:29
